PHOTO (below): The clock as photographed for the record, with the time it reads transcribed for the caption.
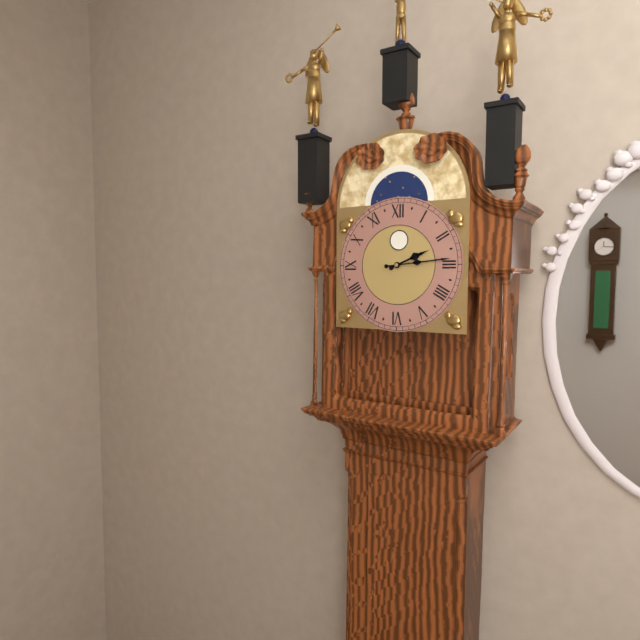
2:14
